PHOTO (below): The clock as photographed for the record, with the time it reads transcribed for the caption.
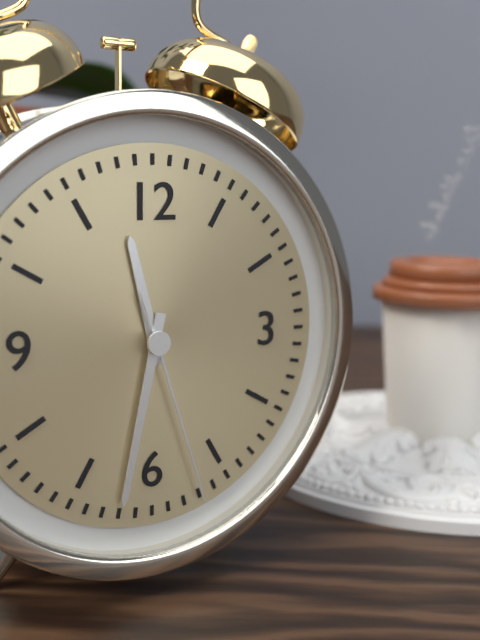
11:32:27
